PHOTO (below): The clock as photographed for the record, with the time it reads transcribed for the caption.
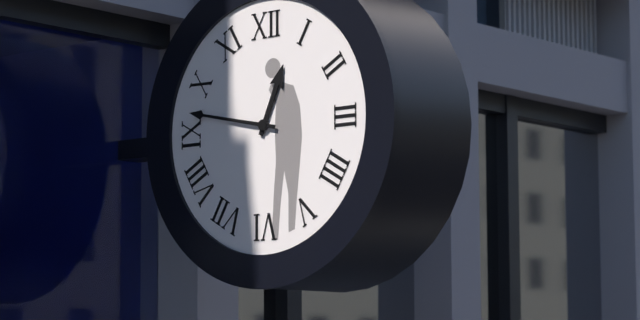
12:47
